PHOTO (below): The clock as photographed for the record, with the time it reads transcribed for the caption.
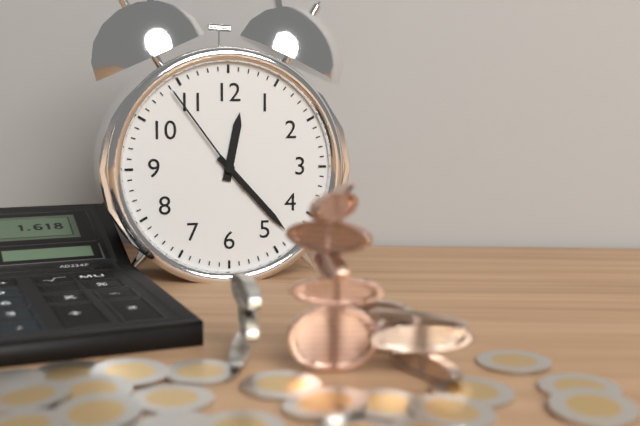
12:23:54
